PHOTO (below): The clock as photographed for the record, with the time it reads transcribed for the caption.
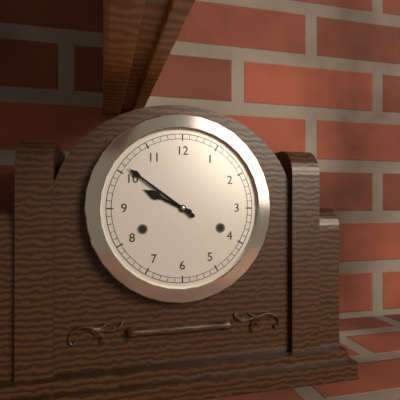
9:51
